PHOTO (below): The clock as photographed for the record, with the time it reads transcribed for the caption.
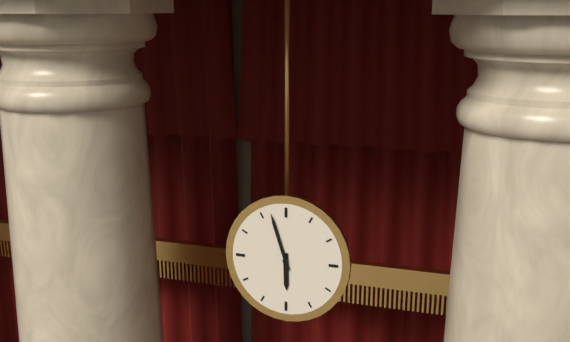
5:57
